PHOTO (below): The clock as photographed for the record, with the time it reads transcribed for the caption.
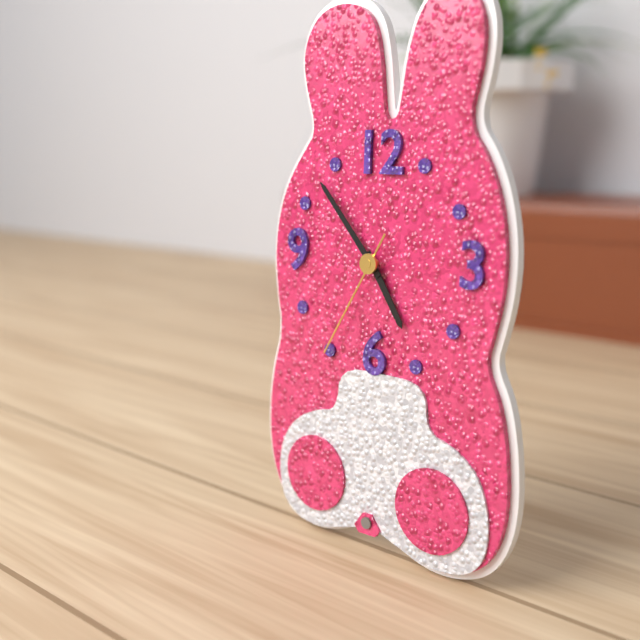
4:53:35
